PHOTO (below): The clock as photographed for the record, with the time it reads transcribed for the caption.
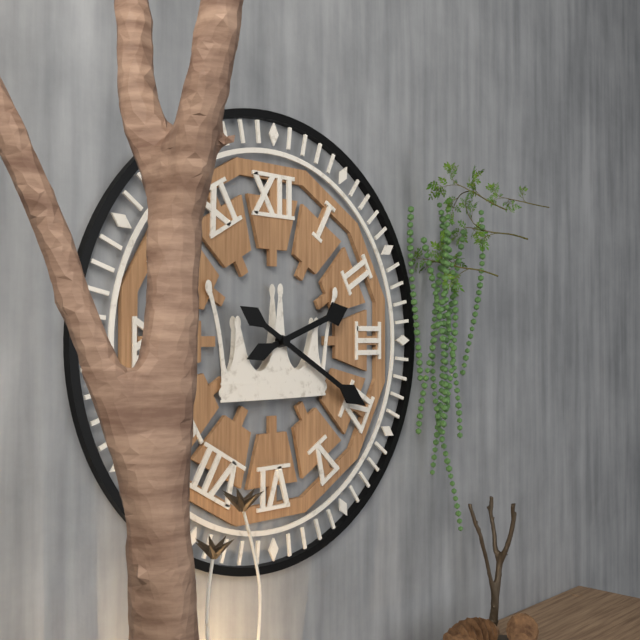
2:20
